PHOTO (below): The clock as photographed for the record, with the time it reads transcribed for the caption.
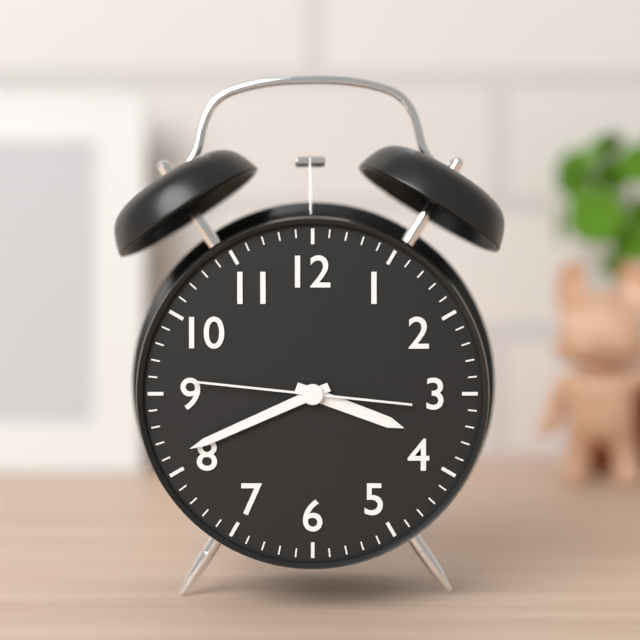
3:41:46
